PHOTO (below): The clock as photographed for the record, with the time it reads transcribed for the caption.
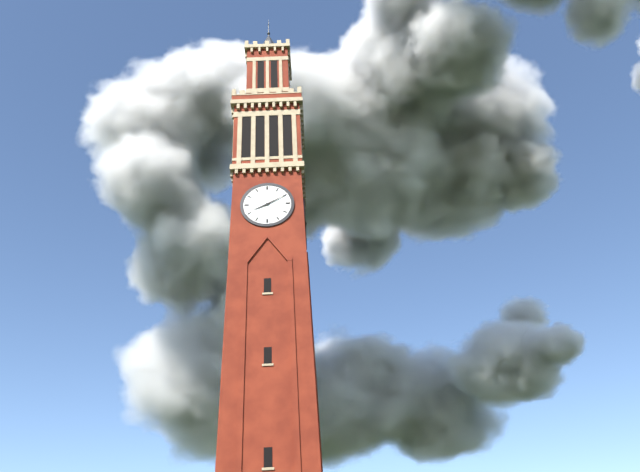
8:10
